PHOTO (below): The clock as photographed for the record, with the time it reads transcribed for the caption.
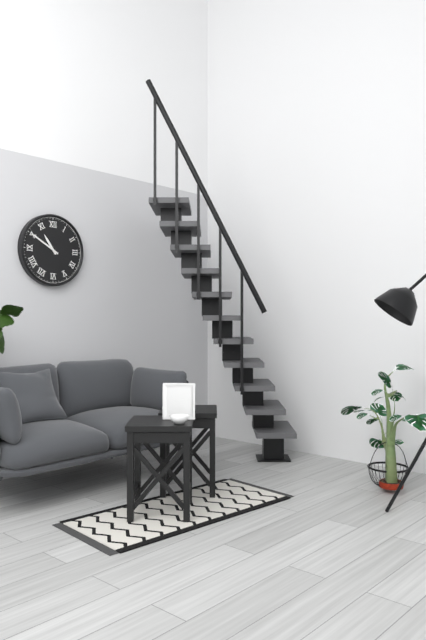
10:50
